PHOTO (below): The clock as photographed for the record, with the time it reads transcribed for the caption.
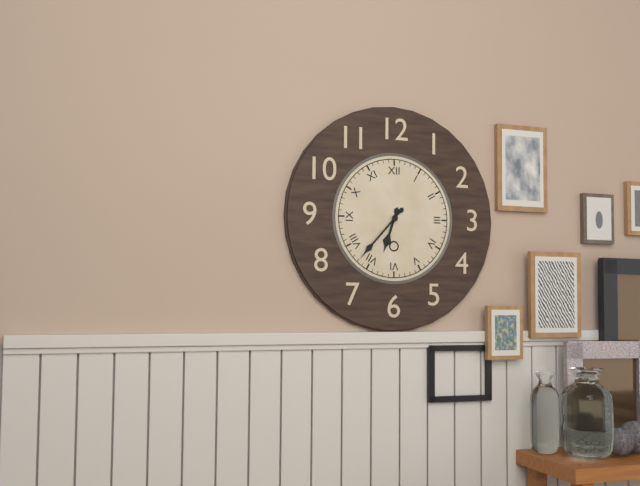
6:37
